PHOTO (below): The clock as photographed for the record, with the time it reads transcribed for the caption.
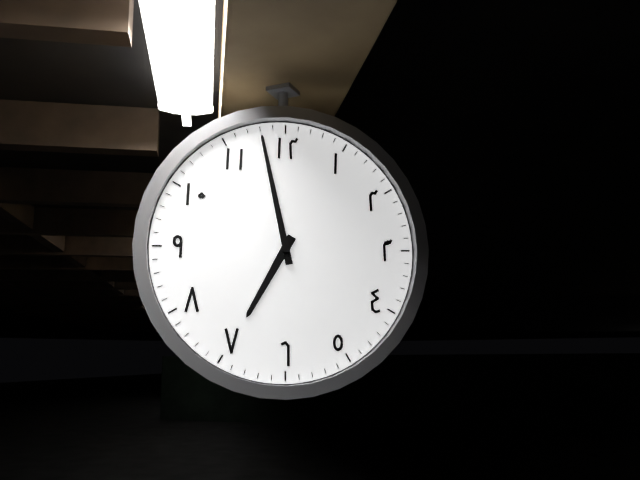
6:58
